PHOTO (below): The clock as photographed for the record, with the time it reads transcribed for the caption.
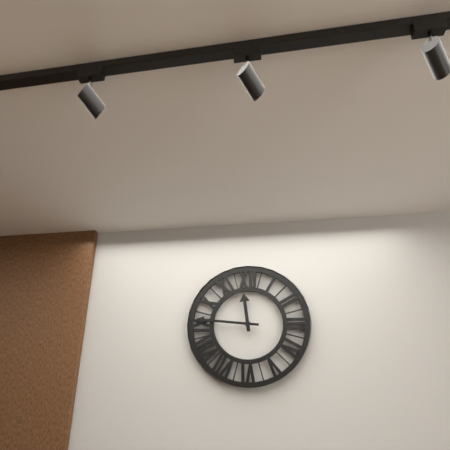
11:46
